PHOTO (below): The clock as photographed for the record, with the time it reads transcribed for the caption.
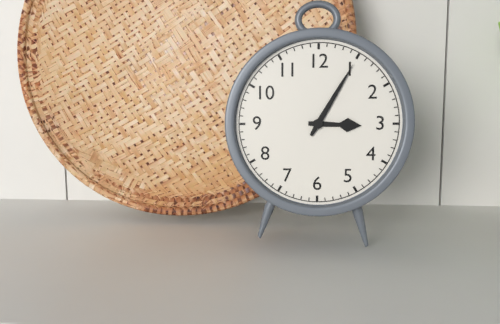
3:05
